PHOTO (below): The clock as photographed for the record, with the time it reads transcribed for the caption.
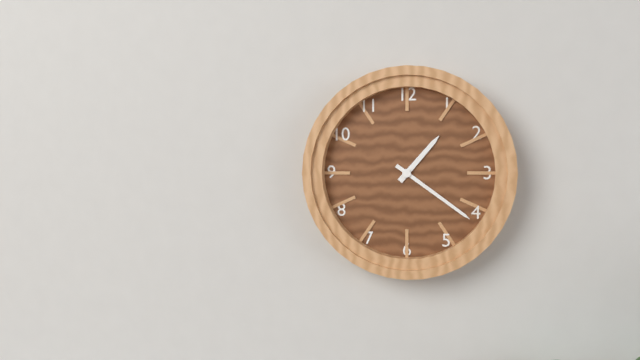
1:21
